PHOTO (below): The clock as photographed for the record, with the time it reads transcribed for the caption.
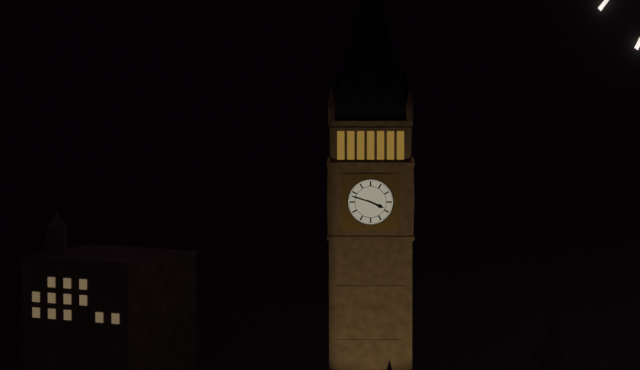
3:48
